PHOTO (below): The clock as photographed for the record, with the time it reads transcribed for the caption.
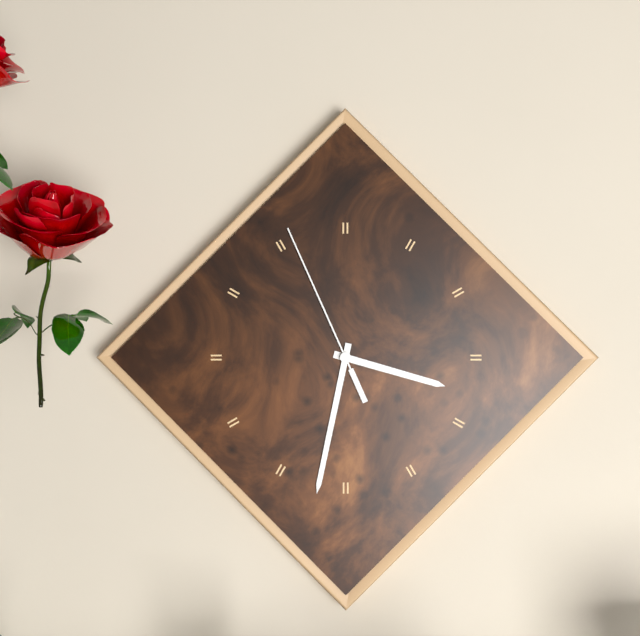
3:32:56
